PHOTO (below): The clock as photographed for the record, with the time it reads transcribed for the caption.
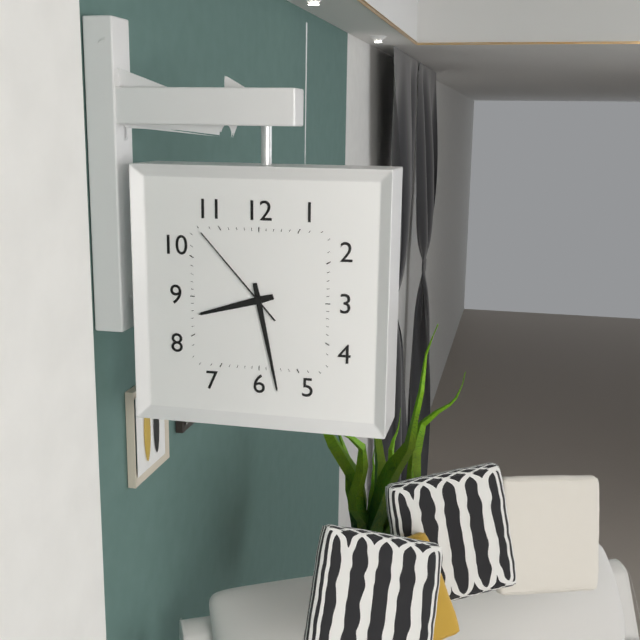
8:28:53
